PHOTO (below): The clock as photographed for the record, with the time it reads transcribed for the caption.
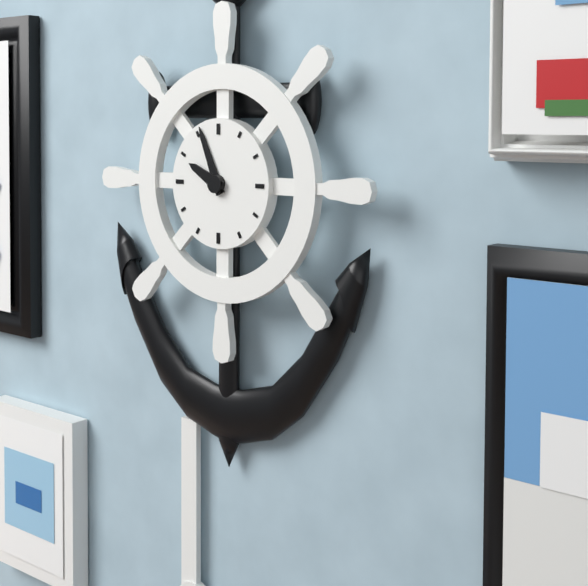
9:56
